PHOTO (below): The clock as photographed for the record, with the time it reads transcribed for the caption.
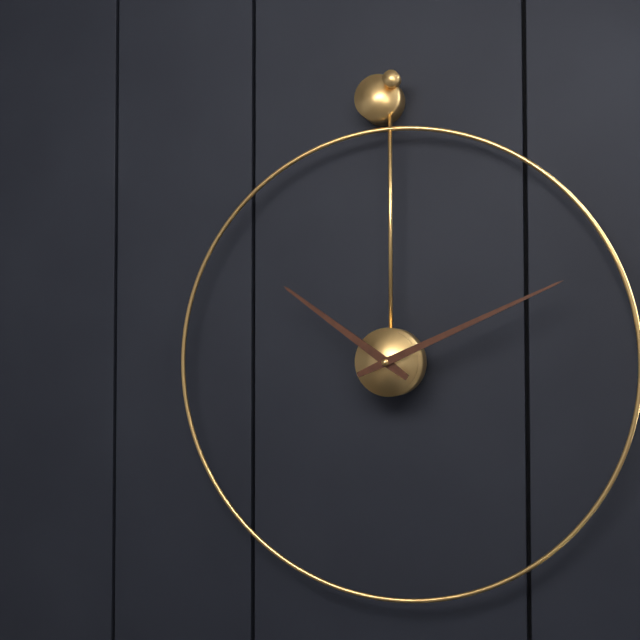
10:11
